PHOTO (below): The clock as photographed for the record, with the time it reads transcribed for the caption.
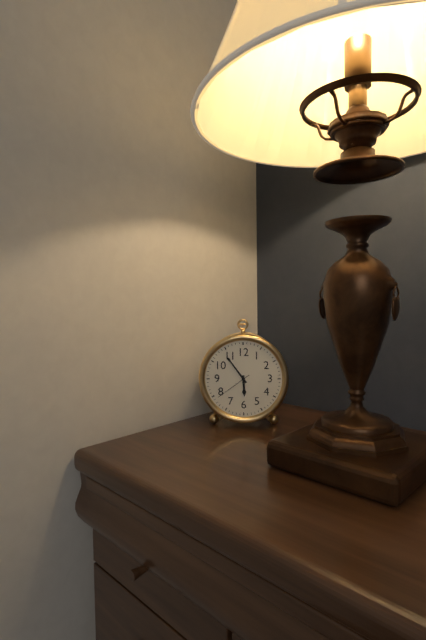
5:54
